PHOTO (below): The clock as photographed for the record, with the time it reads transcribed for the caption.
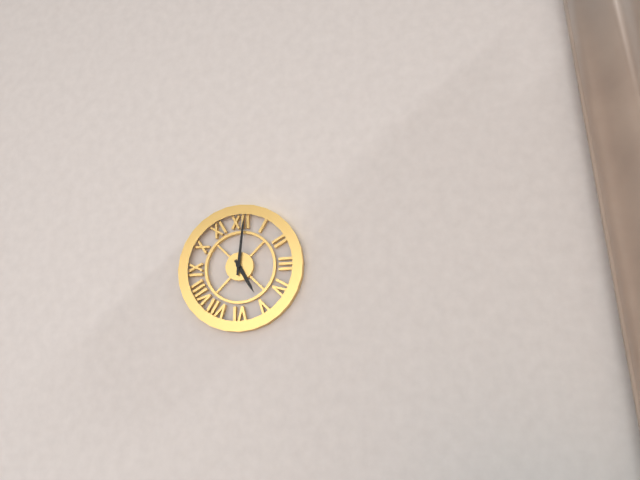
5:01
